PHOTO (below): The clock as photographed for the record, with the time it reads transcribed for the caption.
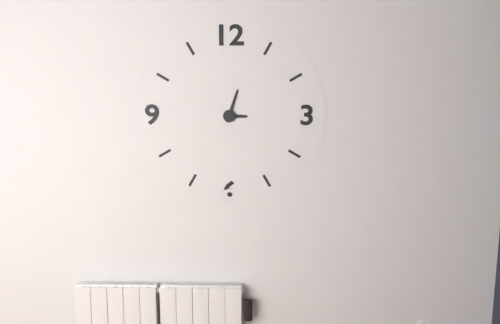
3:03
